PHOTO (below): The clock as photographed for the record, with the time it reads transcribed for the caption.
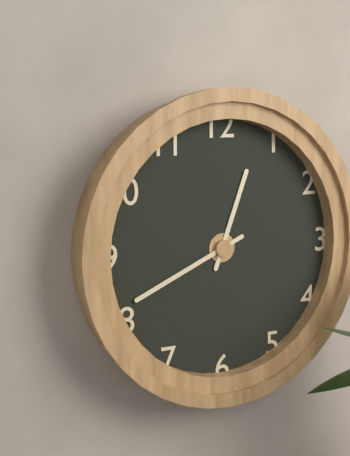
12:41
